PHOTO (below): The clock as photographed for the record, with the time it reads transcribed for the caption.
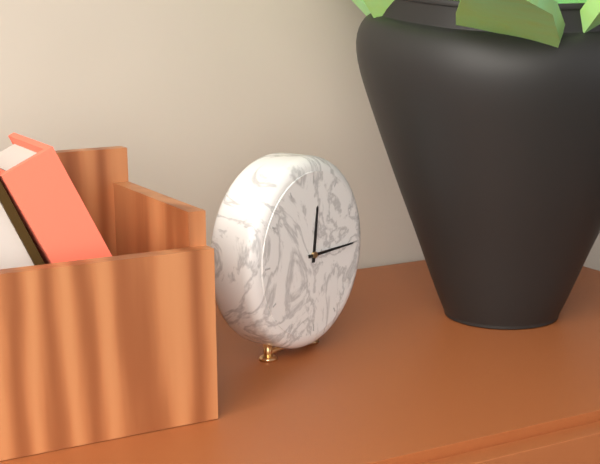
12:15
